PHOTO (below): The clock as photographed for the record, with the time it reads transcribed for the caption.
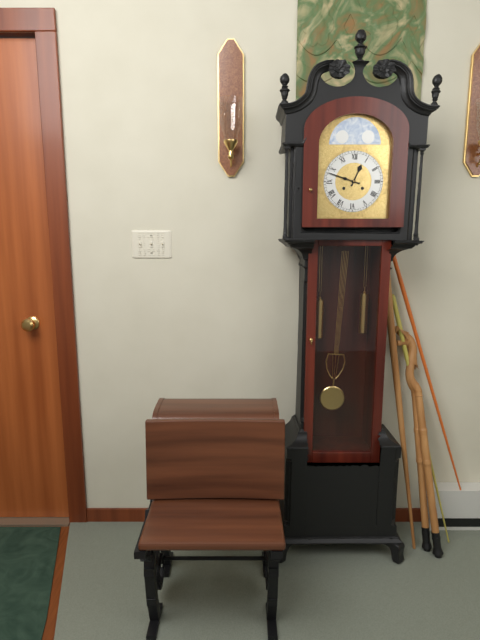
12:48
